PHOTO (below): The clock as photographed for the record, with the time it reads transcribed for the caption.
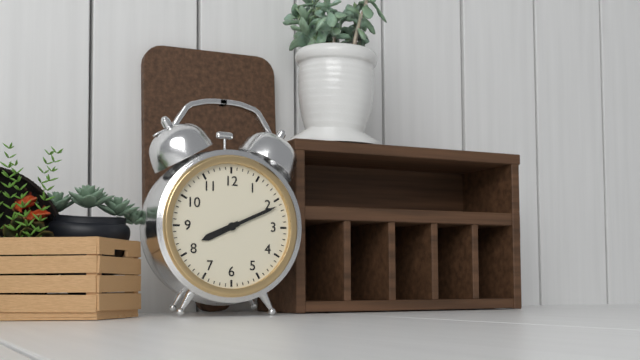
8:11
